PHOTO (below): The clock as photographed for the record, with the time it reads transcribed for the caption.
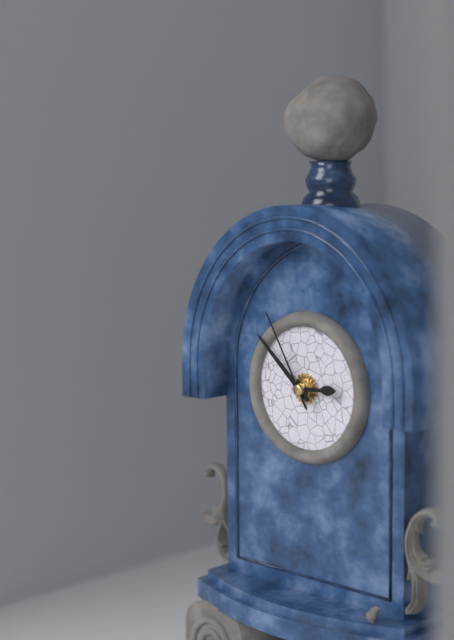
2:52:55
